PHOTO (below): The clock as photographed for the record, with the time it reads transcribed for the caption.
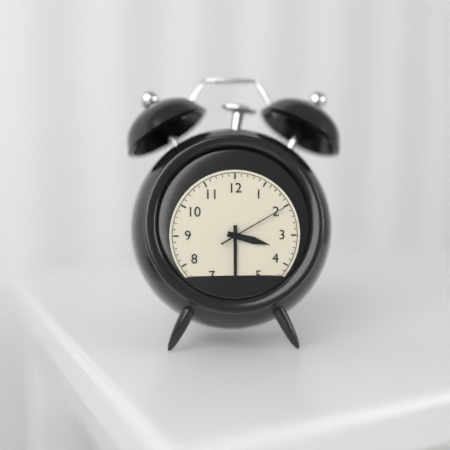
3:30:10
